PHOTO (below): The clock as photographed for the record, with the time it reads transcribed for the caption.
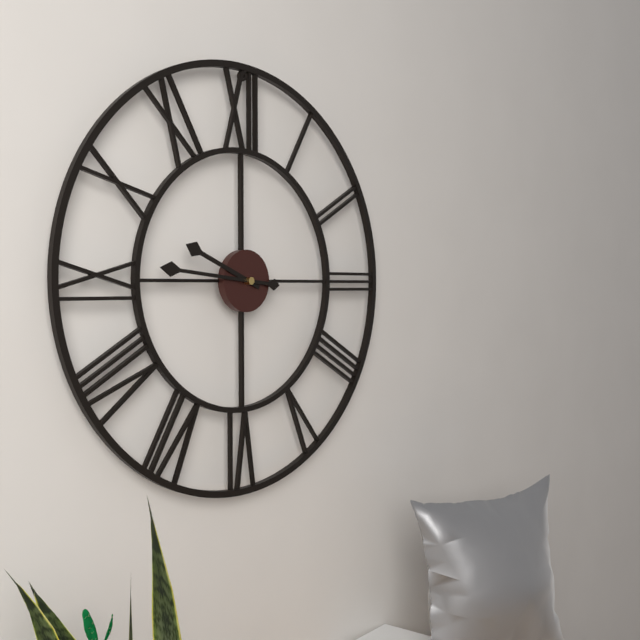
9:46
